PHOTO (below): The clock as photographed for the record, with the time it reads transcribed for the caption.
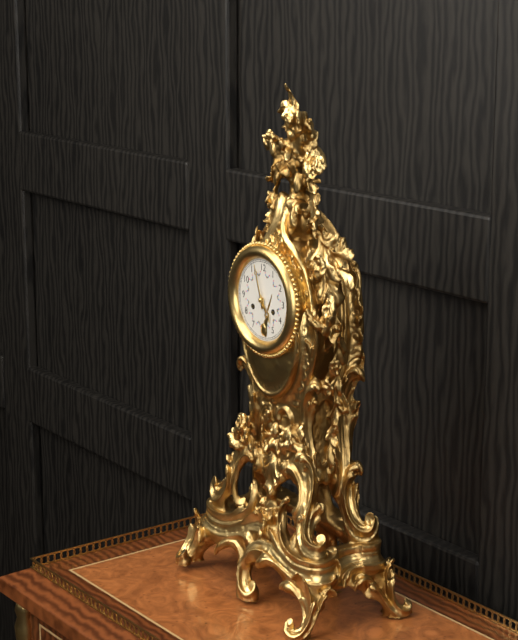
4:57
